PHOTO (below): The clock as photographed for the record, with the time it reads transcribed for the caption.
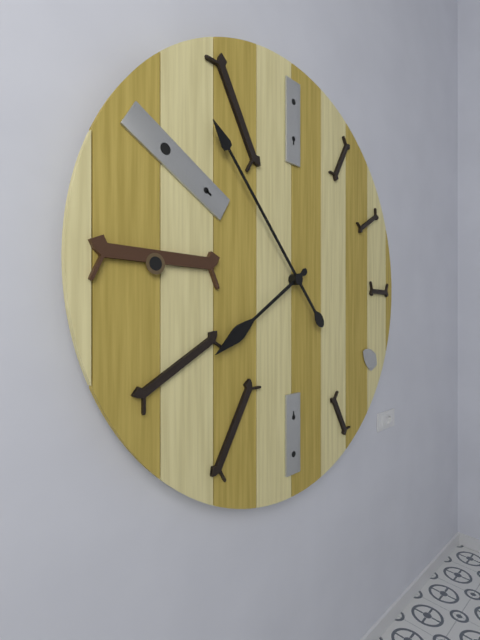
7:53
